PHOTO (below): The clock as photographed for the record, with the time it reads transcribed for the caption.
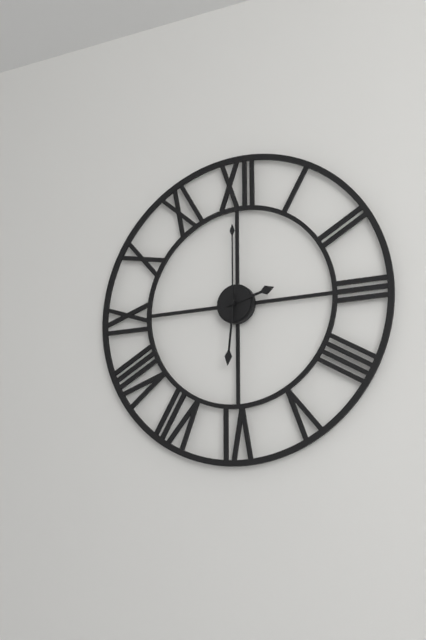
2:31:00
